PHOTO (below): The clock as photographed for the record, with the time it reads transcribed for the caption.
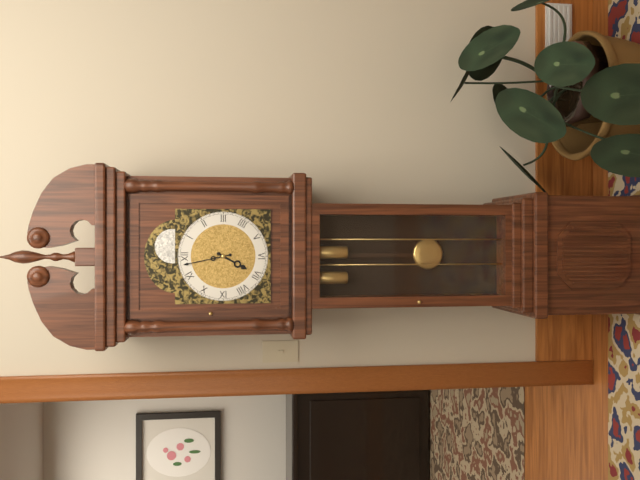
6:58
